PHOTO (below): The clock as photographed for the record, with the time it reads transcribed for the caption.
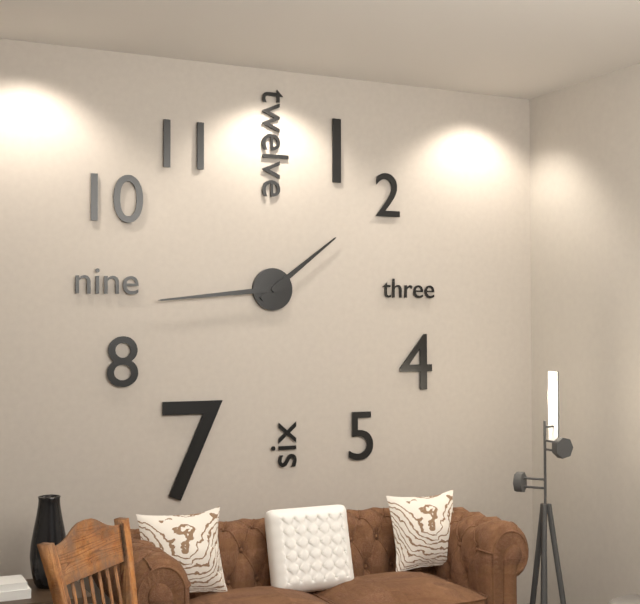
1:44
